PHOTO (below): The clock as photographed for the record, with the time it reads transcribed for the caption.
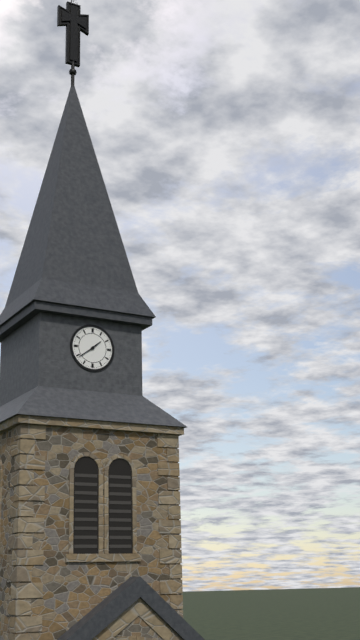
1:39
